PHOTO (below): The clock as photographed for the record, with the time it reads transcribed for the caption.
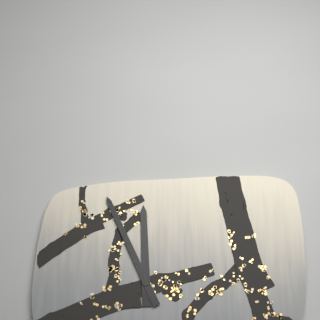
11:56
